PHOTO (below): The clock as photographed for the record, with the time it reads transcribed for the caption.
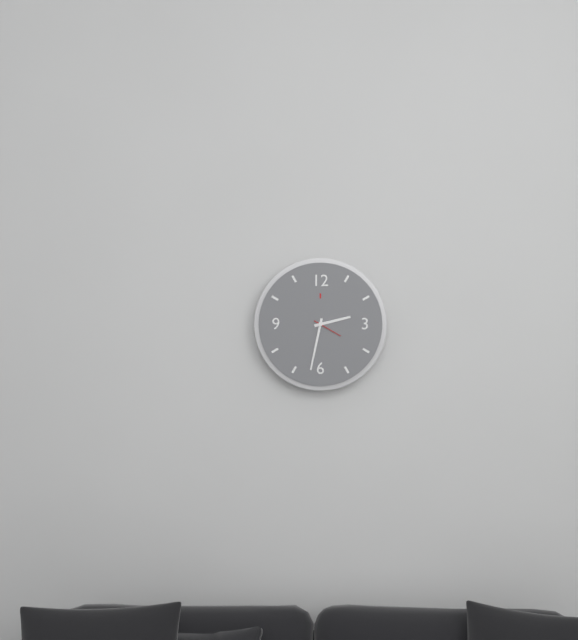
2:32
